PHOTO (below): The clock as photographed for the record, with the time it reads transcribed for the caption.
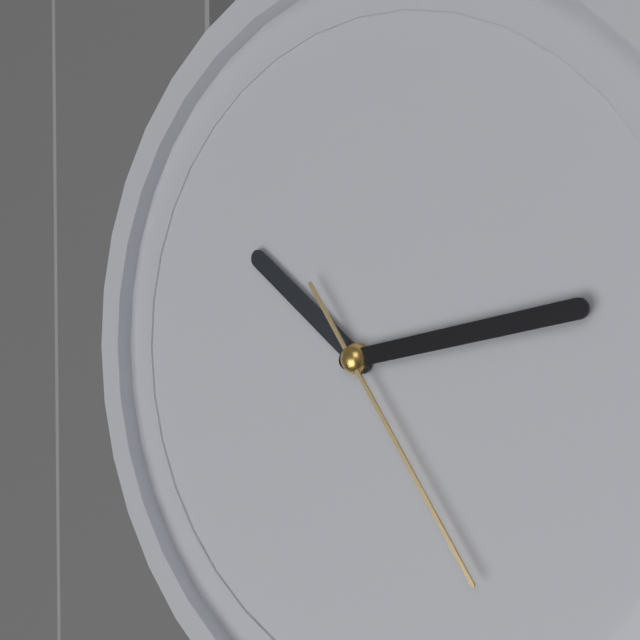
10:13:24
